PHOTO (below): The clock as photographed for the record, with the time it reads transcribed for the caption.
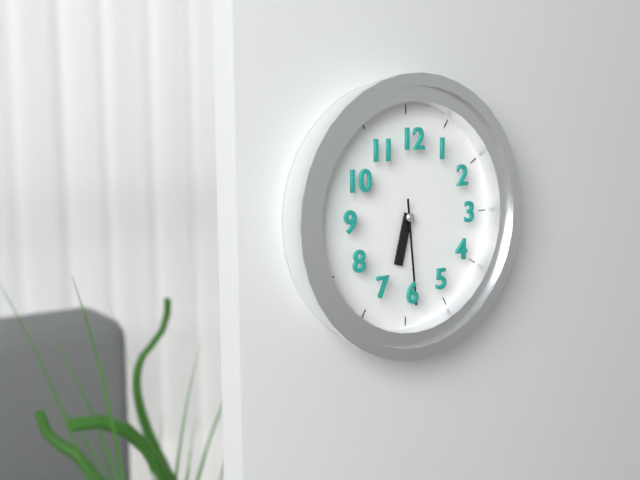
6:29
